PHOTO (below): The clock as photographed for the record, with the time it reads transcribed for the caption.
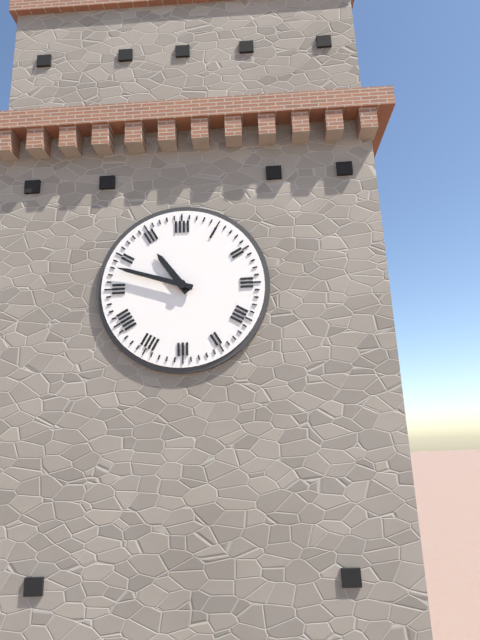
10:48
